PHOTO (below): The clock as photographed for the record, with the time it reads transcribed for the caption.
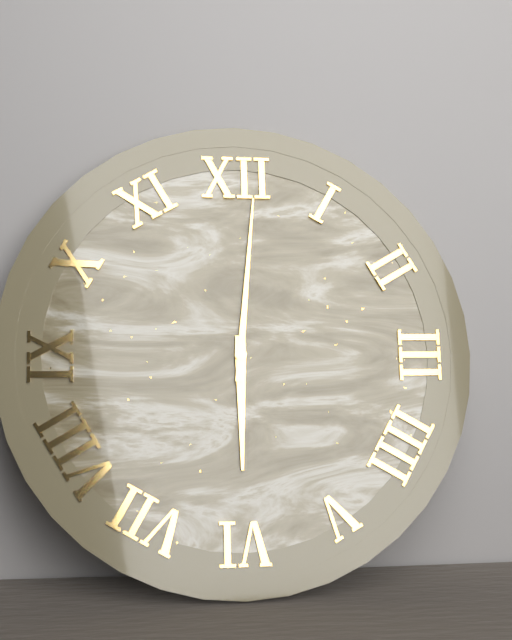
6:01
